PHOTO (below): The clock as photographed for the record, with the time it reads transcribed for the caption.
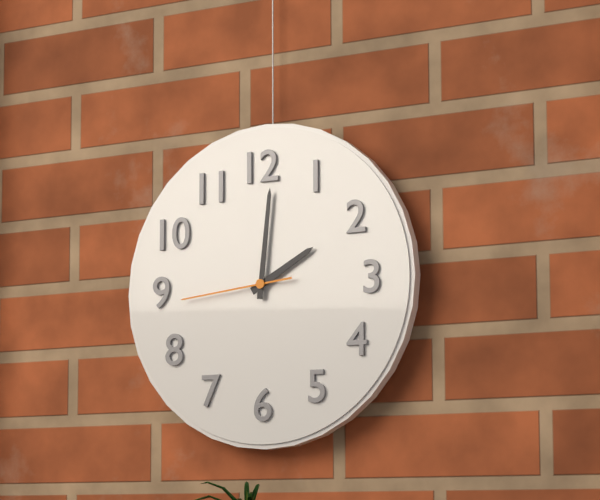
2:01:44
